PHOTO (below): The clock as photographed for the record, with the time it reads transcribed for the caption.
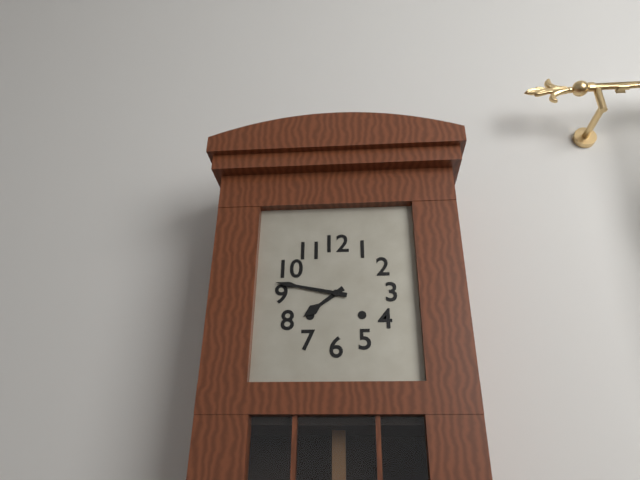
7:47
